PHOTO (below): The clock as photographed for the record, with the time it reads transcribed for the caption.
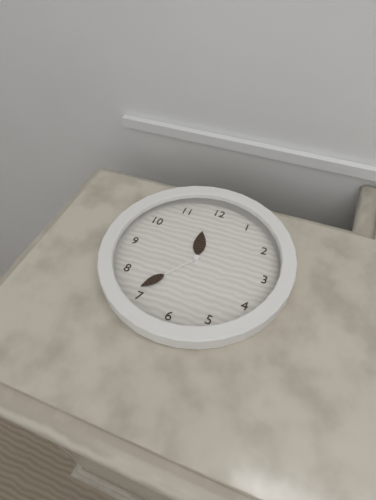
11:36
